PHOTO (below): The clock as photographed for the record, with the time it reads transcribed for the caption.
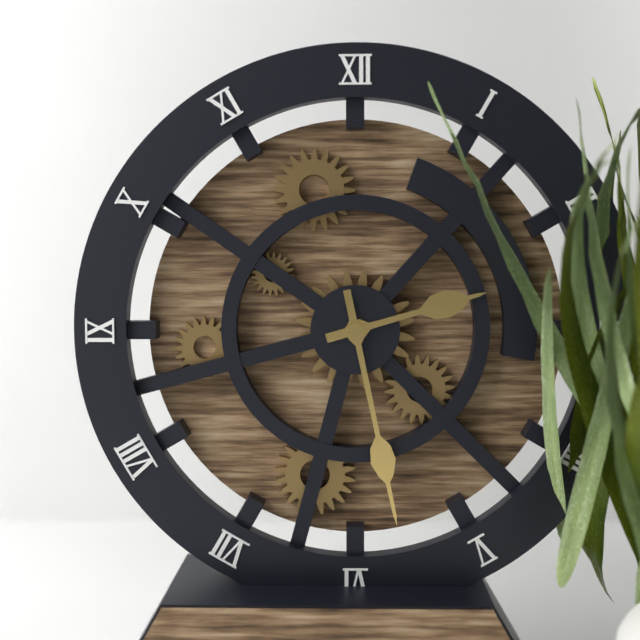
2:28
